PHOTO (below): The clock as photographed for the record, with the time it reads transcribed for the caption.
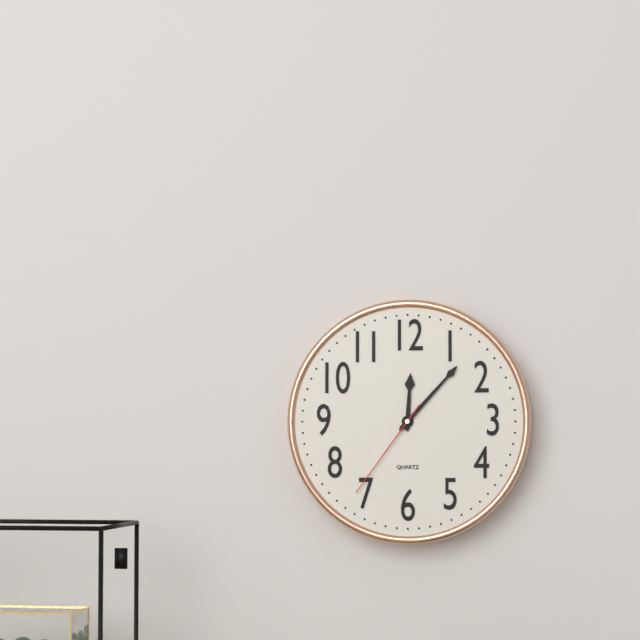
12:07:36
